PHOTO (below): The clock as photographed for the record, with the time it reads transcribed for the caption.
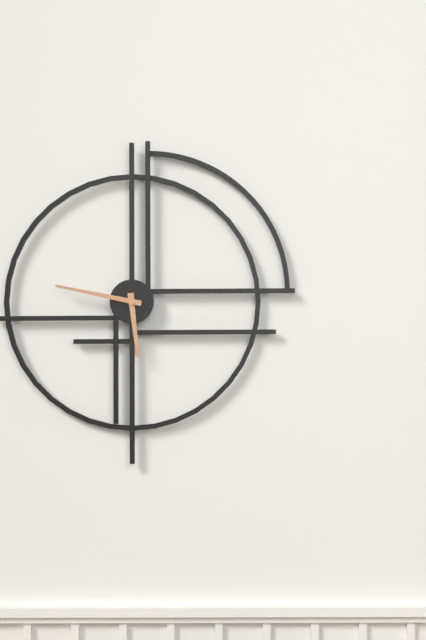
5:47
